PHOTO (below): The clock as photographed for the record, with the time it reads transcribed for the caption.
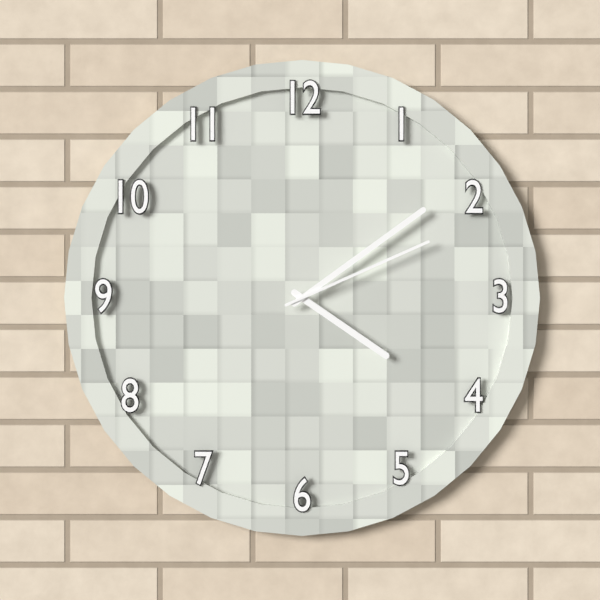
4:09:11
